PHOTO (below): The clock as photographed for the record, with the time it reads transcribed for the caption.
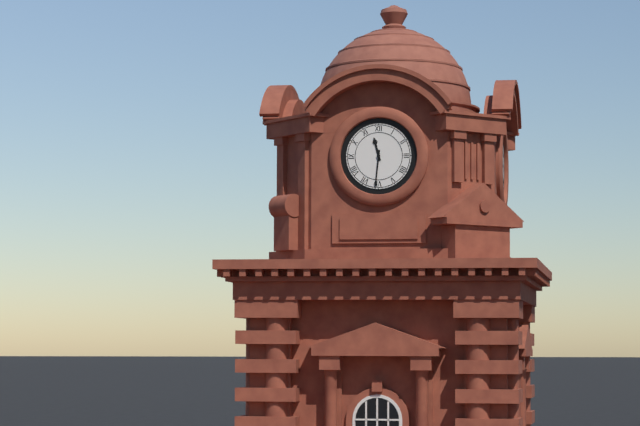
11:31
